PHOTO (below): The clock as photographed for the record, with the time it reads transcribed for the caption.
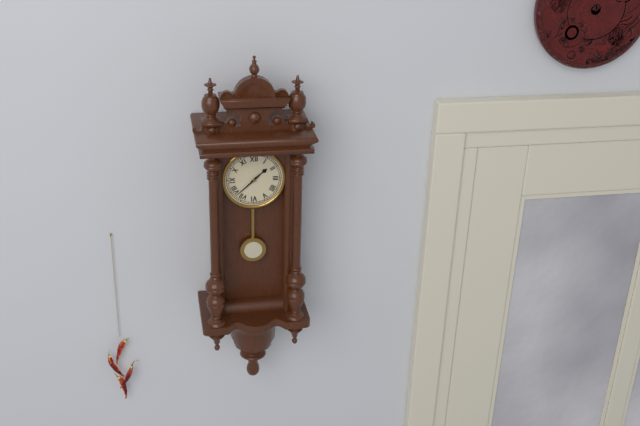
1:38
